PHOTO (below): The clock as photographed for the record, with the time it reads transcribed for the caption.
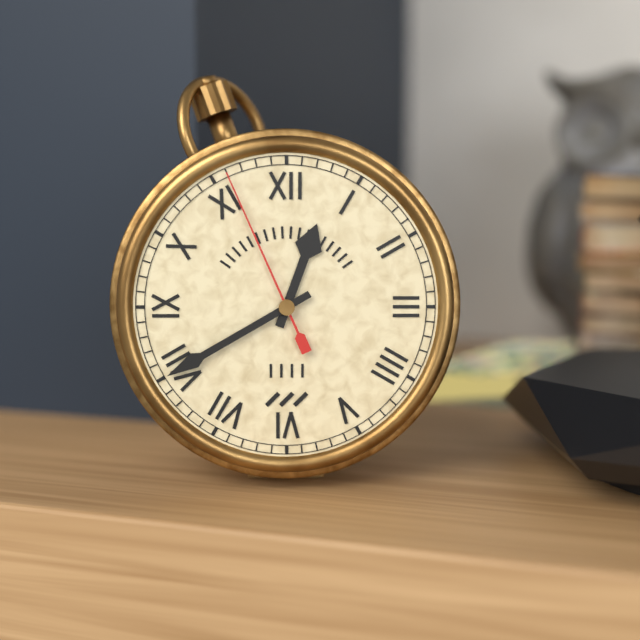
12:40:56
